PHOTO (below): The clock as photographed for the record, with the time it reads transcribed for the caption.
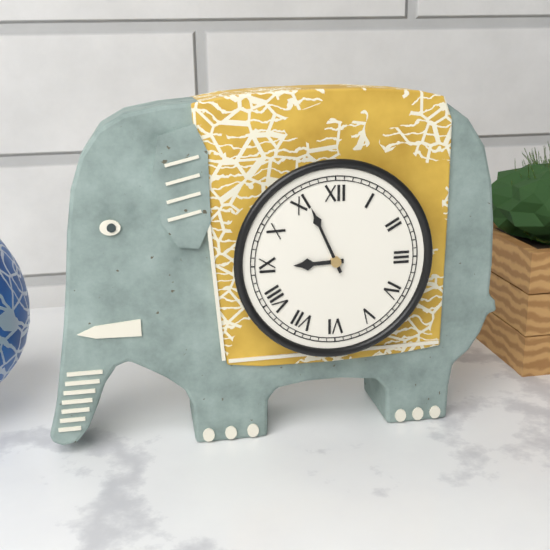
8:56
